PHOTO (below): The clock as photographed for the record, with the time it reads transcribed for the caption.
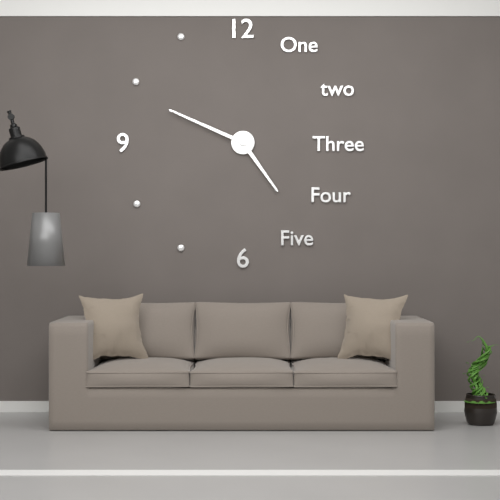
4:49
